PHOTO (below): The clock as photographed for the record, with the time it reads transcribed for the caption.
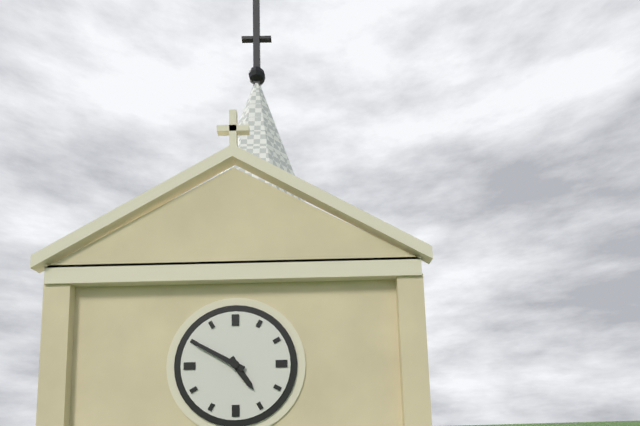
4:50
